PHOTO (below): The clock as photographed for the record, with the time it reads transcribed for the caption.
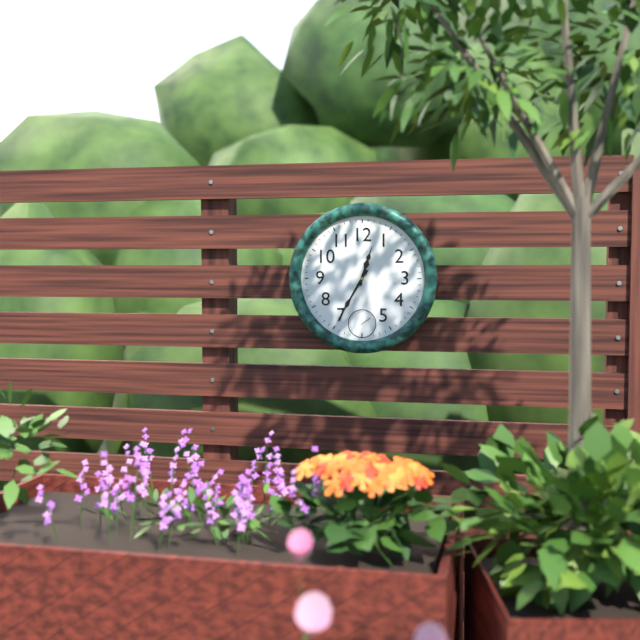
12:35
